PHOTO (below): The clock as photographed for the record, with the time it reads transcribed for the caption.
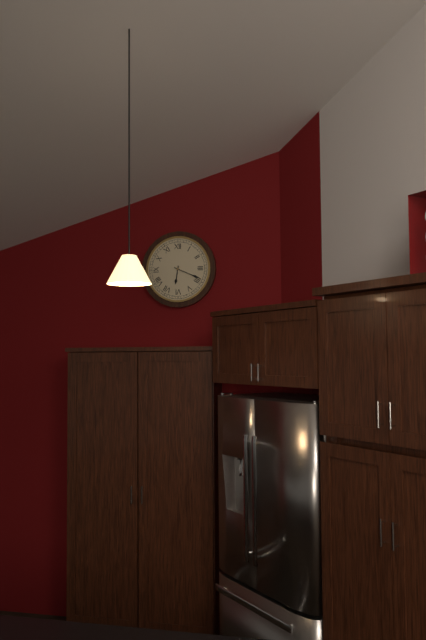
6:19
